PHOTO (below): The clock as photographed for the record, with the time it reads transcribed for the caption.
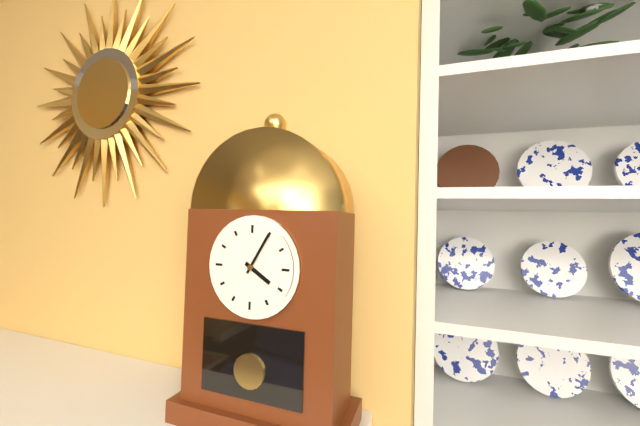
4:05
